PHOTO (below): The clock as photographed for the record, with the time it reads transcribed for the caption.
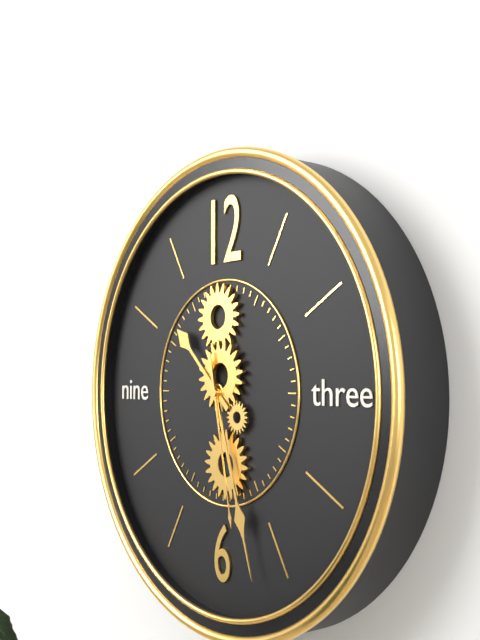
10:27:28
